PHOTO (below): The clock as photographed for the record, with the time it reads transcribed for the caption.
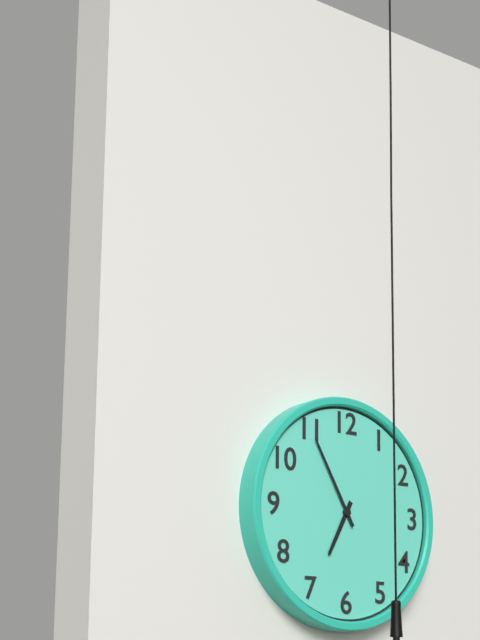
6:55
